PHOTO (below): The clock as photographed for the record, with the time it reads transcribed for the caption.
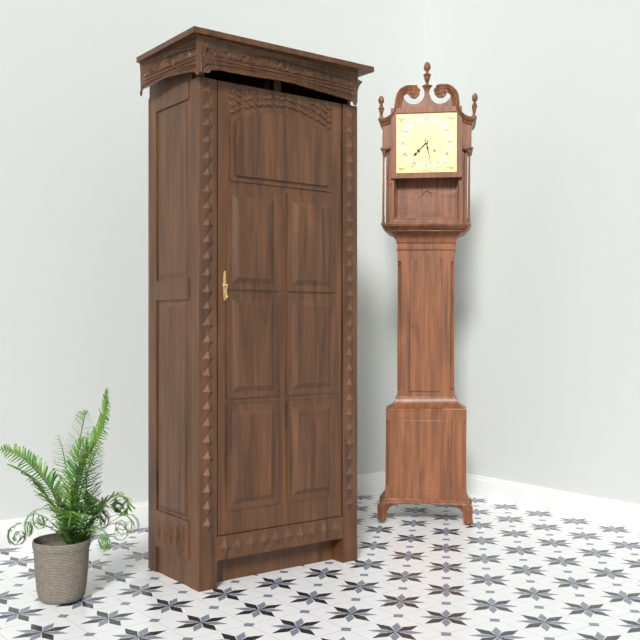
7:28
